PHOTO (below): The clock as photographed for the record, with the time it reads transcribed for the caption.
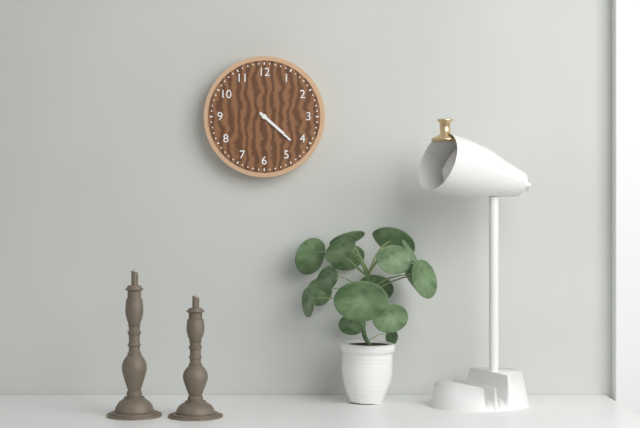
4:22
